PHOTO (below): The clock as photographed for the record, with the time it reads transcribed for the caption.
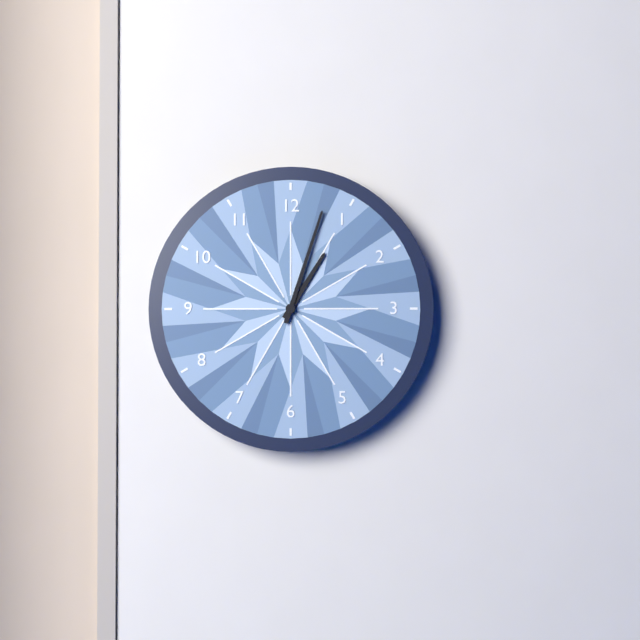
1:03
